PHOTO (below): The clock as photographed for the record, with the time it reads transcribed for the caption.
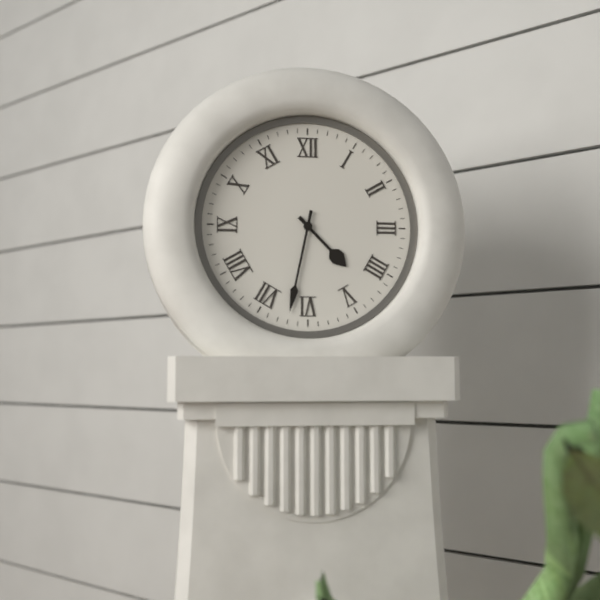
4:32
